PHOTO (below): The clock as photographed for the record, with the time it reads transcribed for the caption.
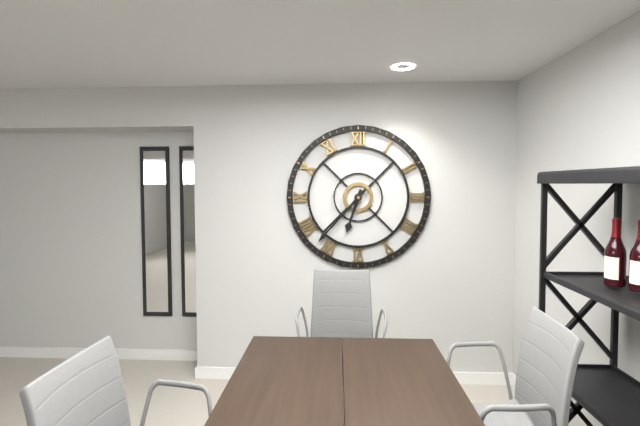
6:37
